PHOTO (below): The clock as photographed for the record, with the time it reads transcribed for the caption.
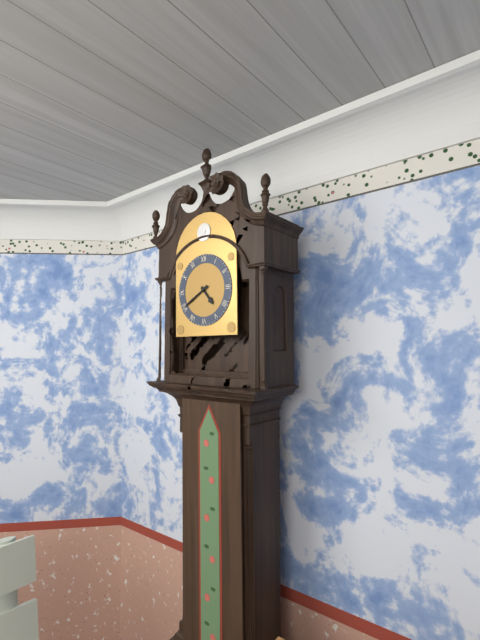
4:40
